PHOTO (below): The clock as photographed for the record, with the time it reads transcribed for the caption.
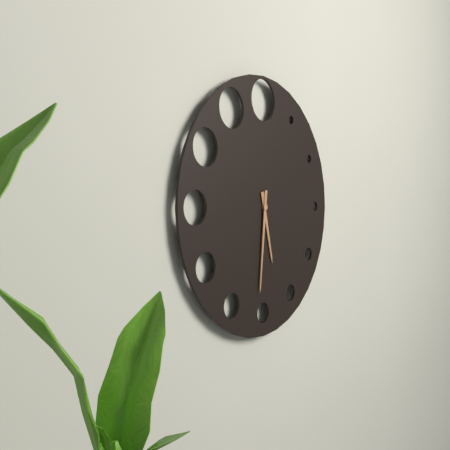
5:31
